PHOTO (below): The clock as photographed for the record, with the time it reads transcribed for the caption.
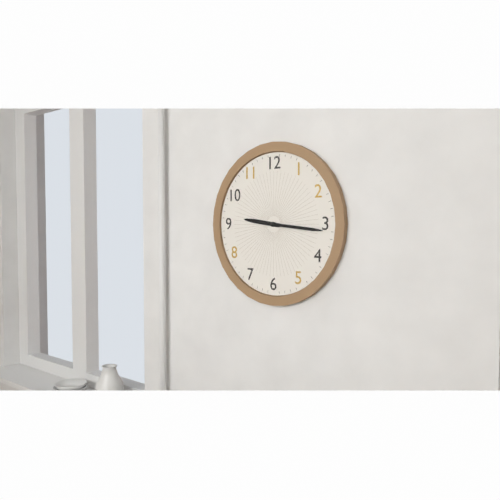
9:16
